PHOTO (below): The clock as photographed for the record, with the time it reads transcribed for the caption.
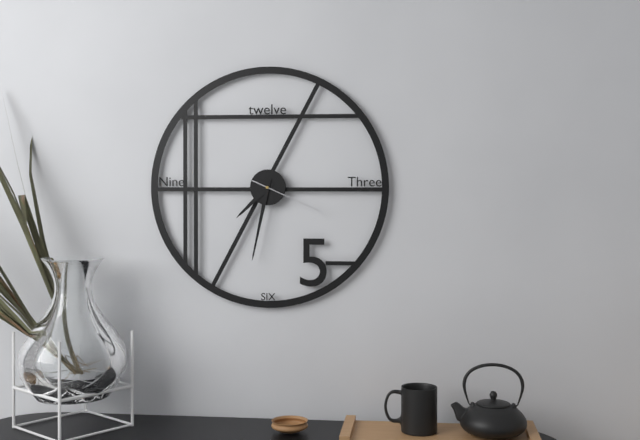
7:32:19
